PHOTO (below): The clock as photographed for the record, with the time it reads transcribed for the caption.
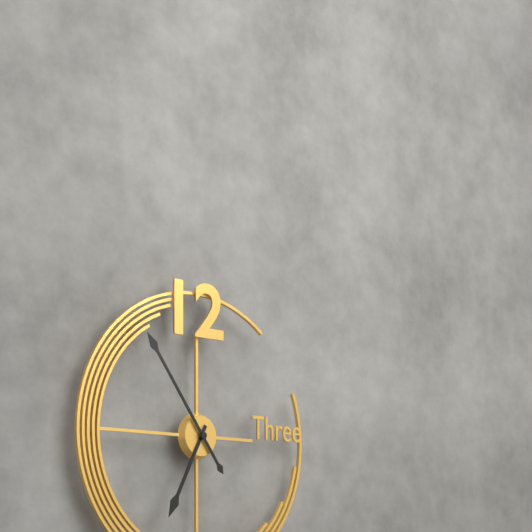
6:54
